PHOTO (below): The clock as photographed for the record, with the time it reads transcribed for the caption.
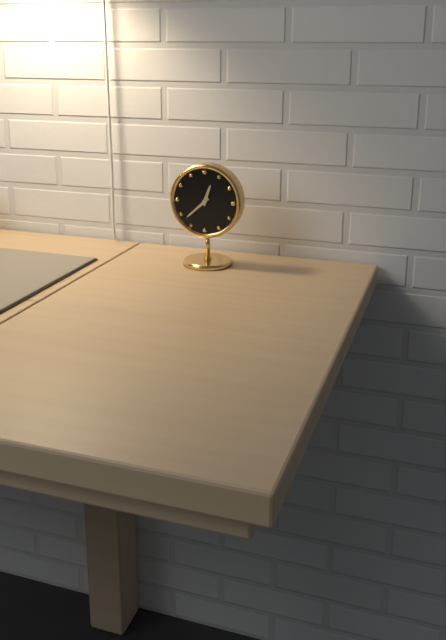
12:38
